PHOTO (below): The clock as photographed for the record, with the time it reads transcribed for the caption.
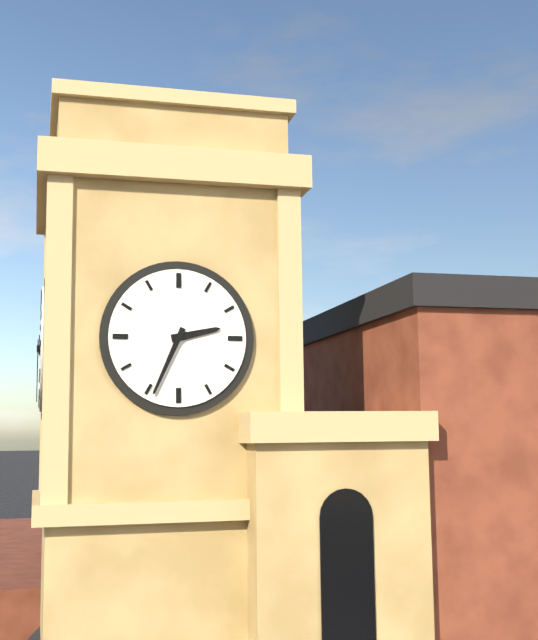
2:34
